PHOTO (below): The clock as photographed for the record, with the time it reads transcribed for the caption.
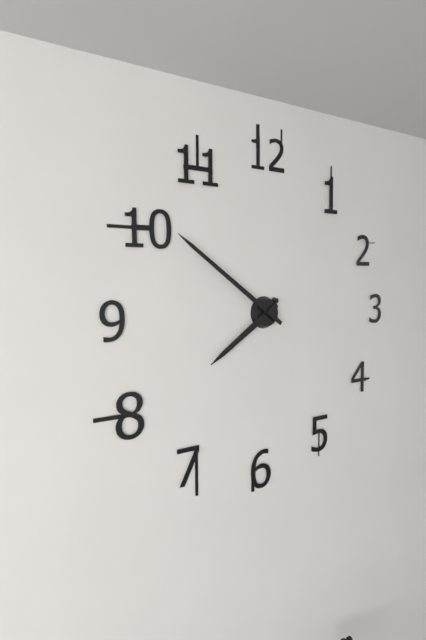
7:51
